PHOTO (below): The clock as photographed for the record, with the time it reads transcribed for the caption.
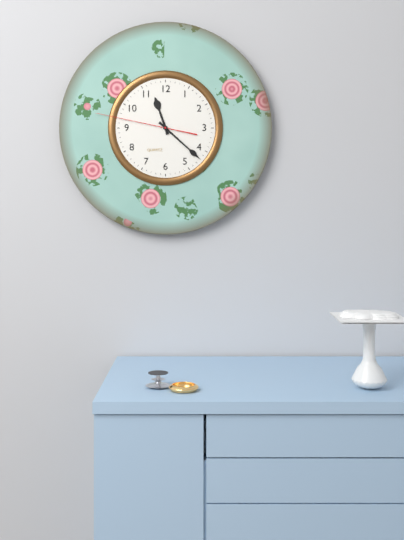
11:22:47
